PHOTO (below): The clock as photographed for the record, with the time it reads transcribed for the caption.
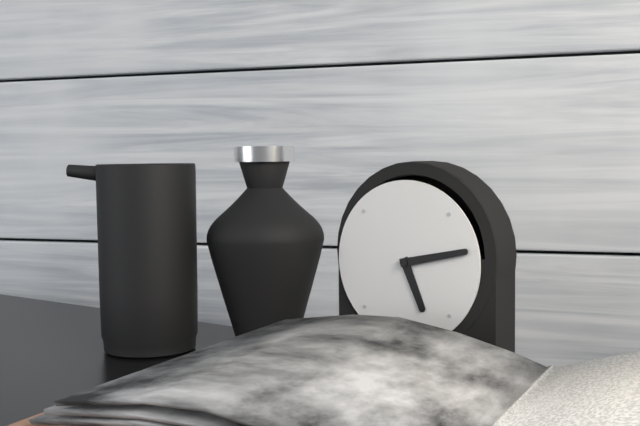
5:13
